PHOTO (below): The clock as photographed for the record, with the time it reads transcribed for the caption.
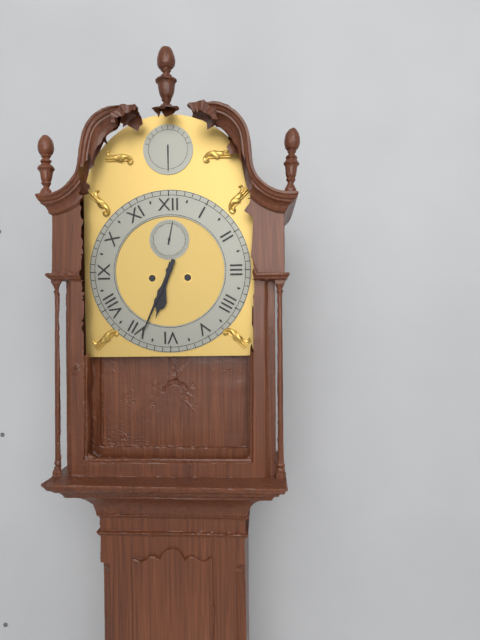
6:34
